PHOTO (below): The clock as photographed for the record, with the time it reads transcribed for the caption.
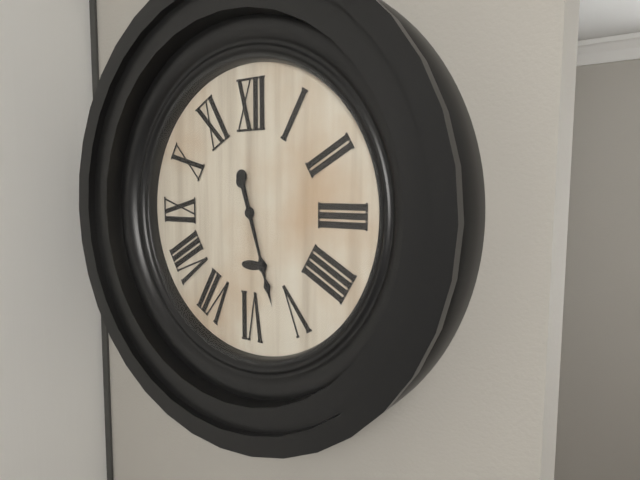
5:27
